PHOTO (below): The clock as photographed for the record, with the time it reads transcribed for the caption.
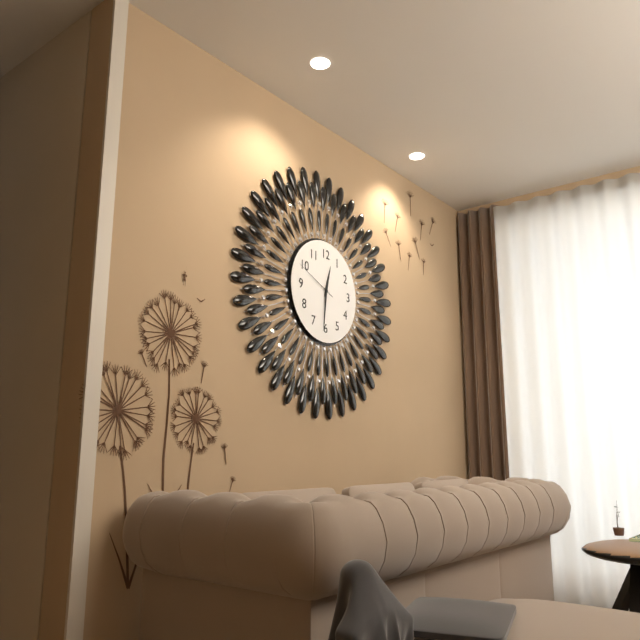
12:31
